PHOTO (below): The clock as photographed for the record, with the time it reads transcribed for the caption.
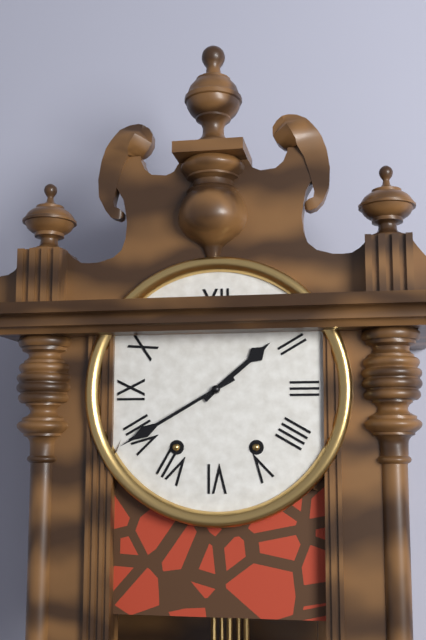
1:40
